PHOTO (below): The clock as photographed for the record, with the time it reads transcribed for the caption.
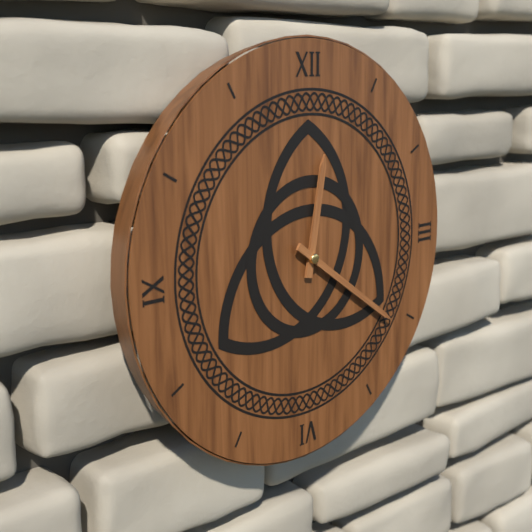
12:21
